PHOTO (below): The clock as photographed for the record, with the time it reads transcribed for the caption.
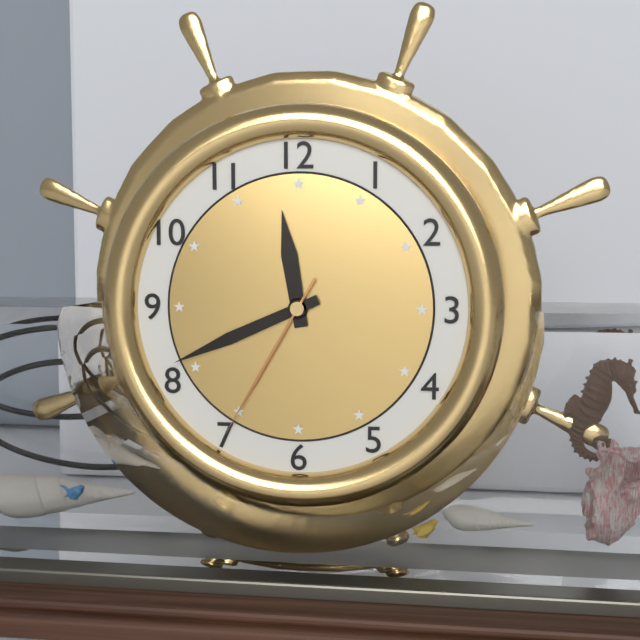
11:41:35
